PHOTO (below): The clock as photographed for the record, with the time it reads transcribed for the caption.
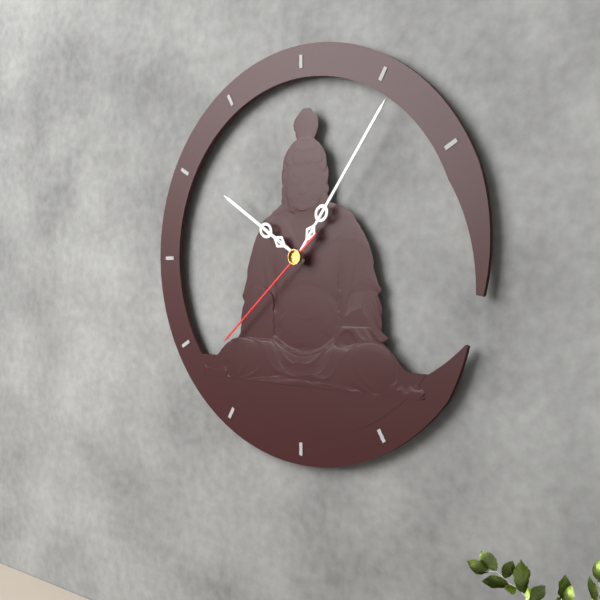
10:06:38
